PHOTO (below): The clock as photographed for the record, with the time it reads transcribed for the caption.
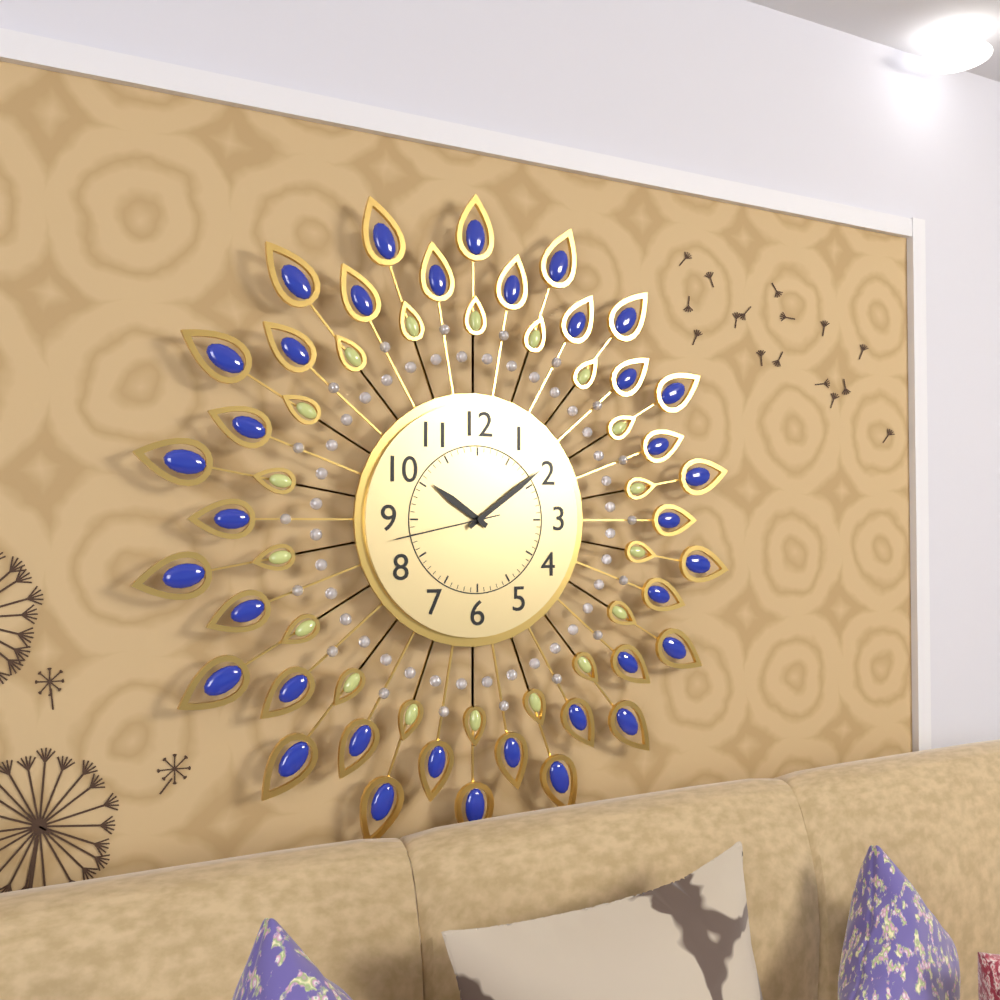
10:09:43
